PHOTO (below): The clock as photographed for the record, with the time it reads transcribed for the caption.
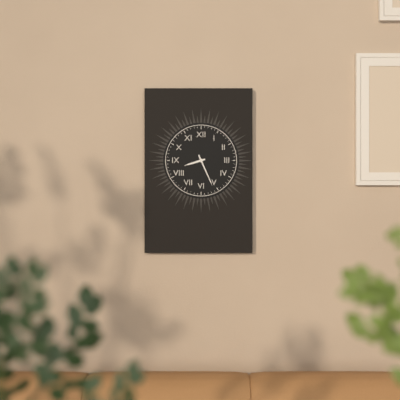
8:26
